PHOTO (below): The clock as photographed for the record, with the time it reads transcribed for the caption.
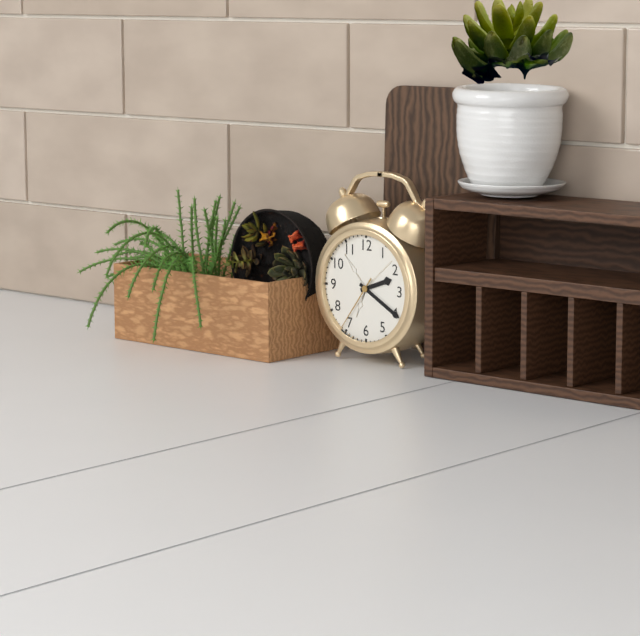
2:20:36
